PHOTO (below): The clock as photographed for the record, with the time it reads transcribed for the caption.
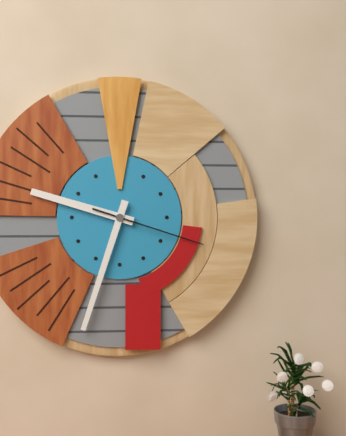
9:33:18
